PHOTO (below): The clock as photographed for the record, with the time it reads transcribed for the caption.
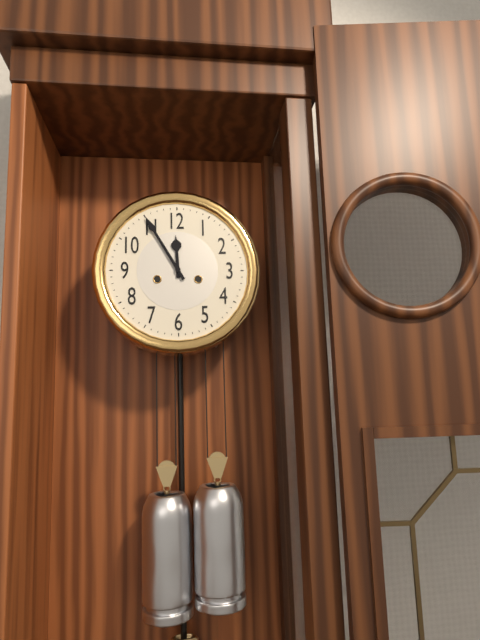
11:55
